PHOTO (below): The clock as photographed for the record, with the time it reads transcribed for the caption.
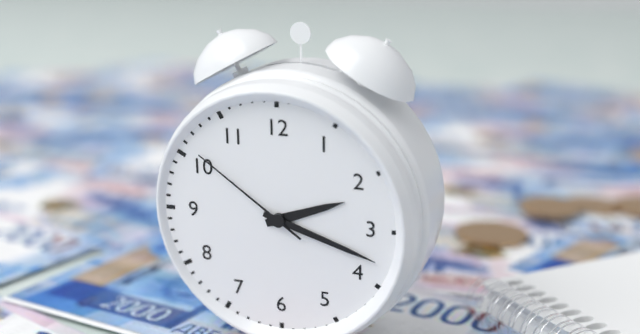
2:18:51
